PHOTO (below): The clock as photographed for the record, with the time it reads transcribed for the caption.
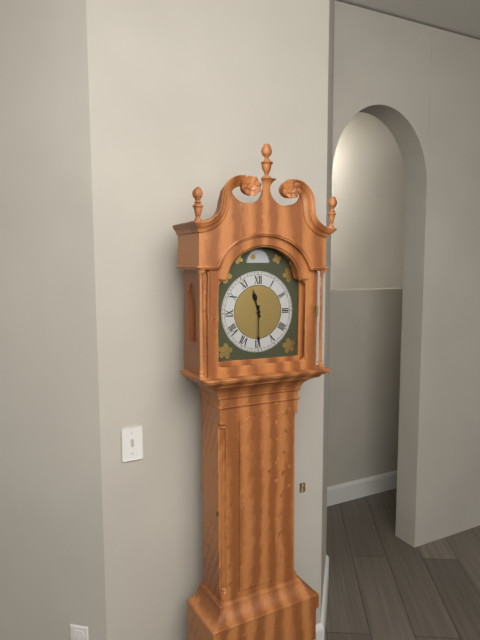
11:30
